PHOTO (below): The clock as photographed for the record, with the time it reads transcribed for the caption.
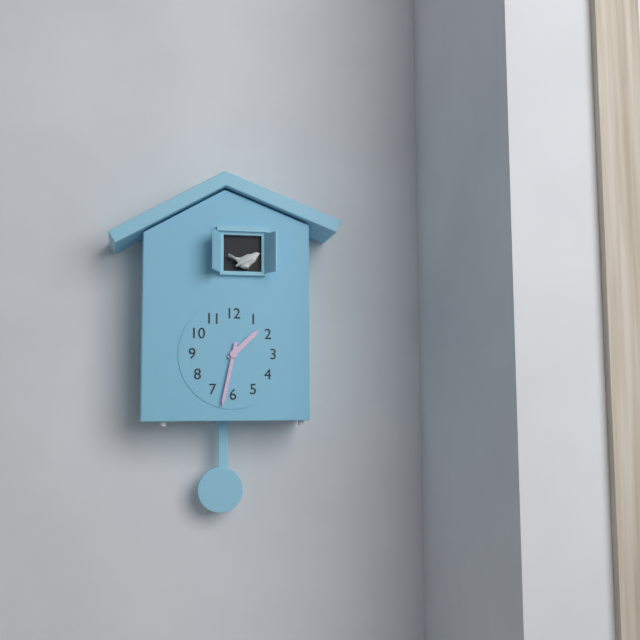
1:32
